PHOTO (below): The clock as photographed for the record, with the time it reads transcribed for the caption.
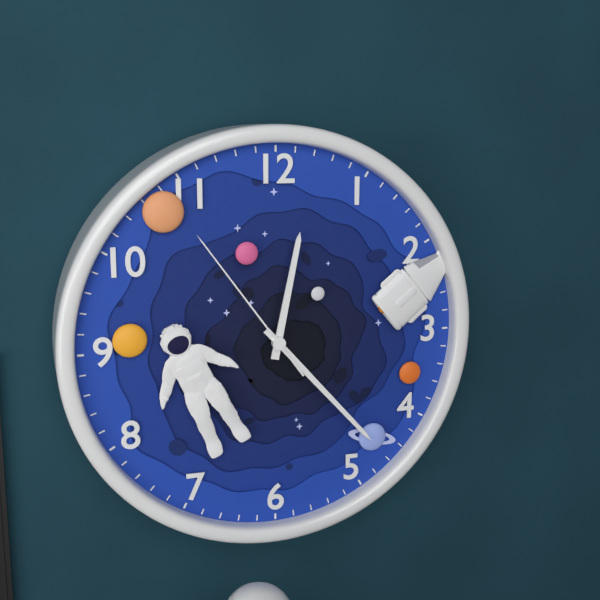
12:23:54
